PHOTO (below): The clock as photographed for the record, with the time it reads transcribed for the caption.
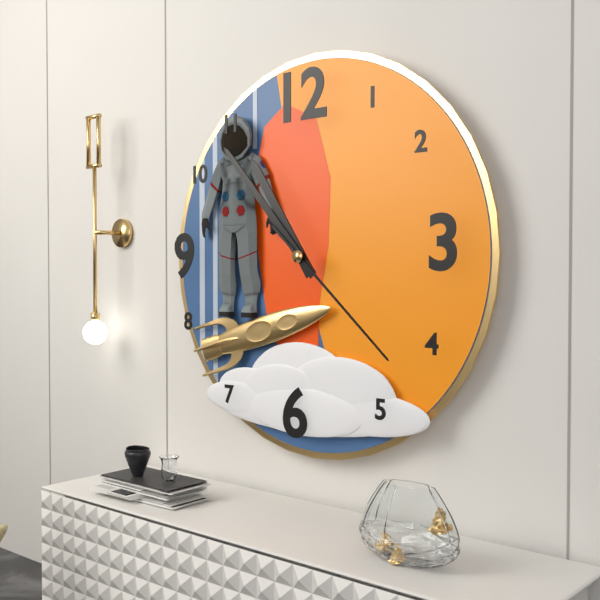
10:53:22
